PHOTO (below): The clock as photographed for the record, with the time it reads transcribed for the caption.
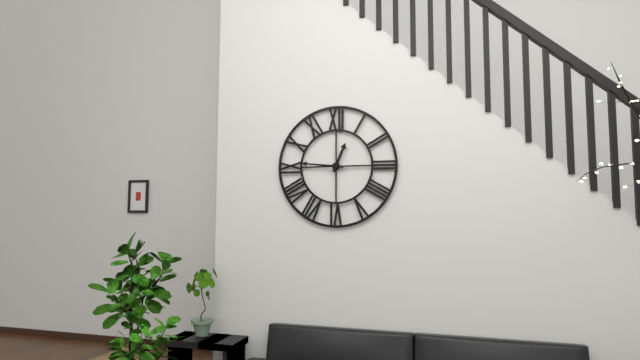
12:46
